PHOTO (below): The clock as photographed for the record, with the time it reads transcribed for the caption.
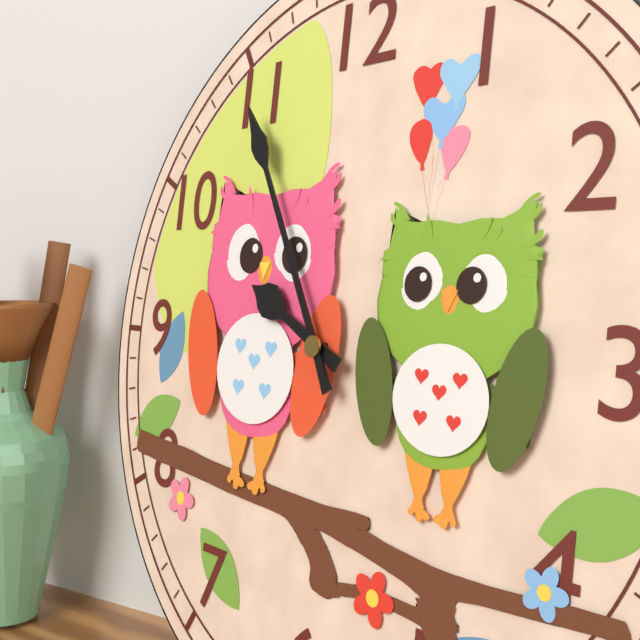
9:55
